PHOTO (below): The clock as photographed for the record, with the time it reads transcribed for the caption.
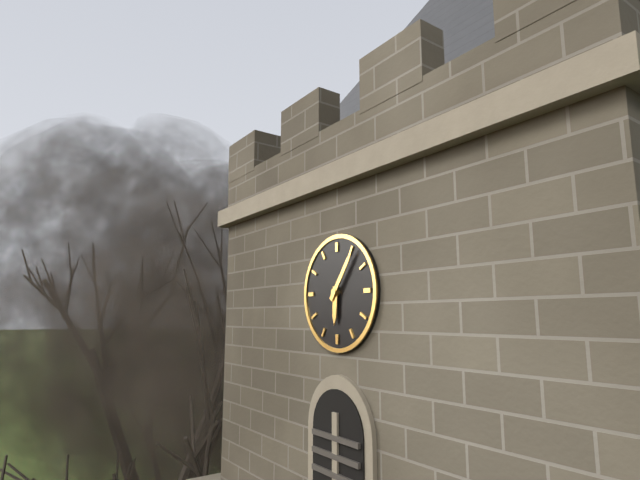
6:06
